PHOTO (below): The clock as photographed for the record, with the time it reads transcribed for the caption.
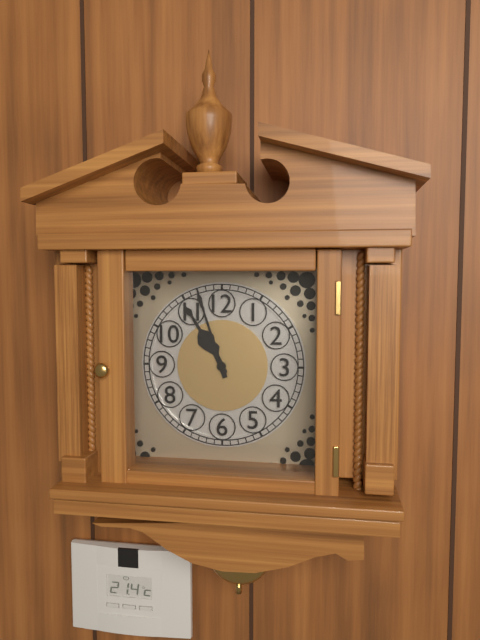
10:57
